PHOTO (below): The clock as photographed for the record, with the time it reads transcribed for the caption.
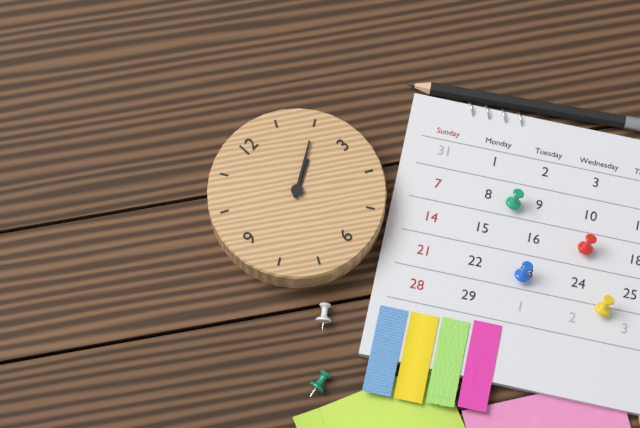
2:10
